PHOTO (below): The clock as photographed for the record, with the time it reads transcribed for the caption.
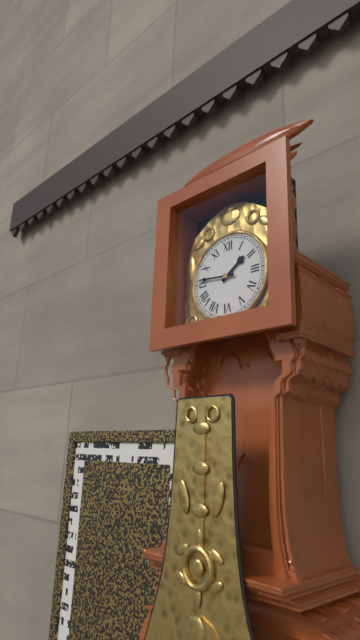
1:46
